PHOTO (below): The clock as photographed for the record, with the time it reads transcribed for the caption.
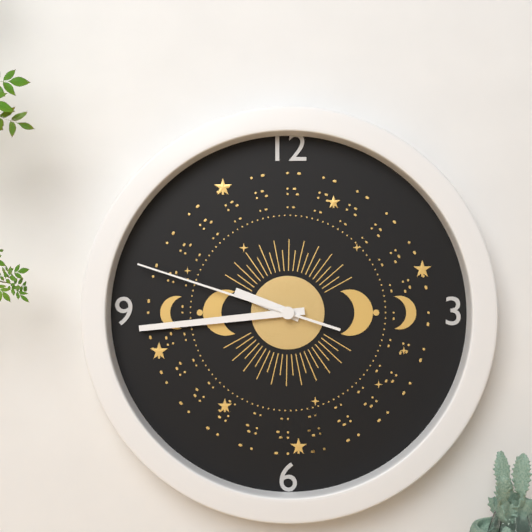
9:44:48
